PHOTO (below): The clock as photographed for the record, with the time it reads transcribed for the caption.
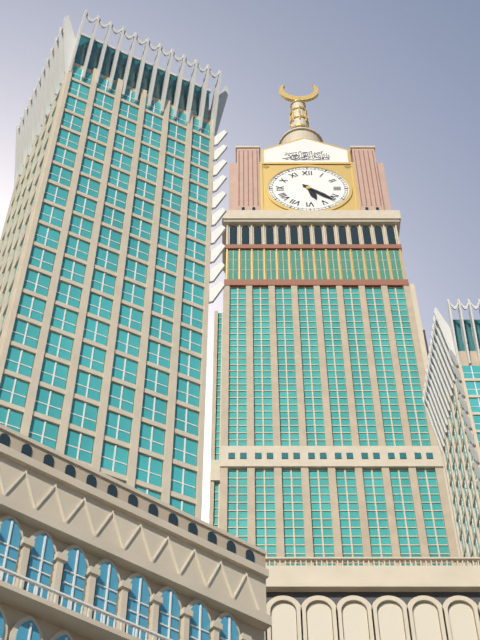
5:22
